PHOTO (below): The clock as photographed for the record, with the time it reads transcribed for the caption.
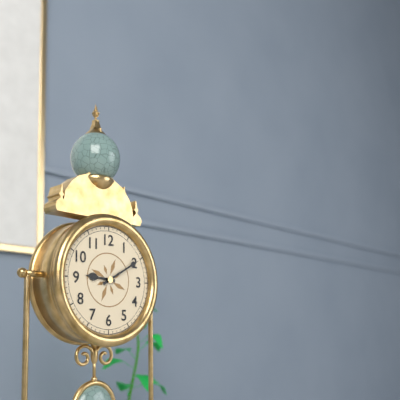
9:10
